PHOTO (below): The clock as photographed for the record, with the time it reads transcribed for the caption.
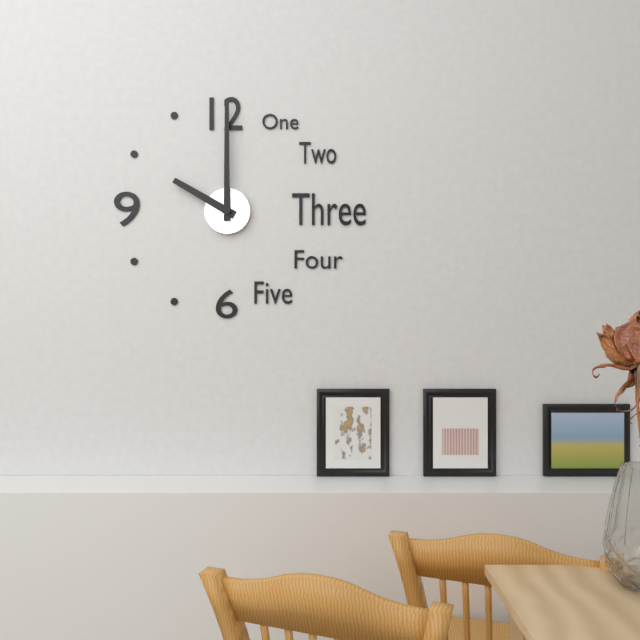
10:00
